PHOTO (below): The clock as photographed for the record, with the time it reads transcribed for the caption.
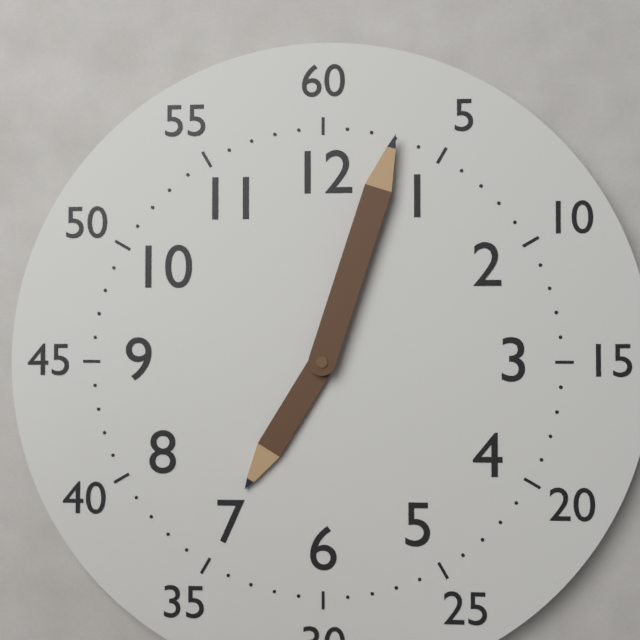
7:03
